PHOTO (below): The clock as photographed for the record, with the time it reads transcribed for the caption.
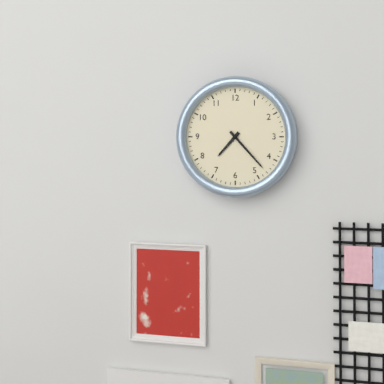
7:23
